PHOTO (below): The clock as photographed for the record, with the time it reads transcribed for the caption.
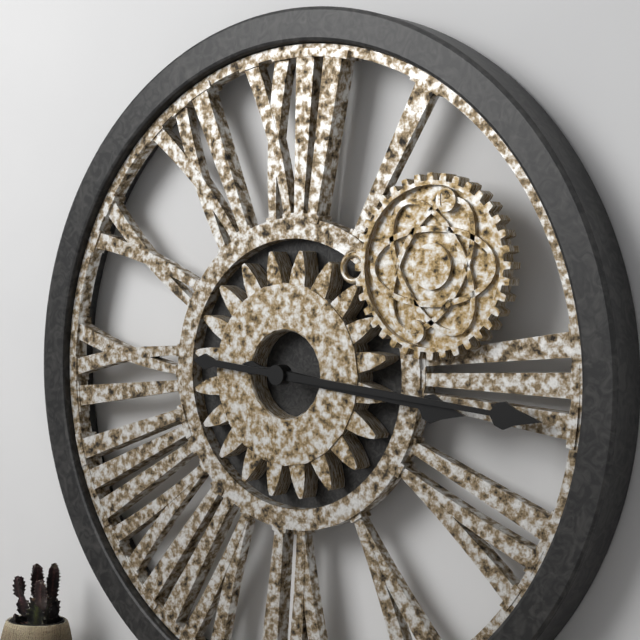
3:16
